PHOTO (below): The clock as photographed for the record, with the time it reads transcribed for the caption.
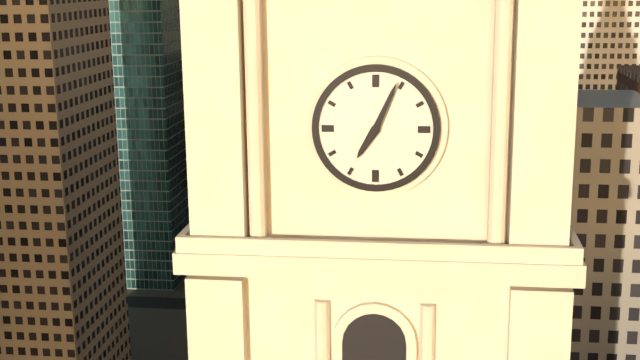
7:04
